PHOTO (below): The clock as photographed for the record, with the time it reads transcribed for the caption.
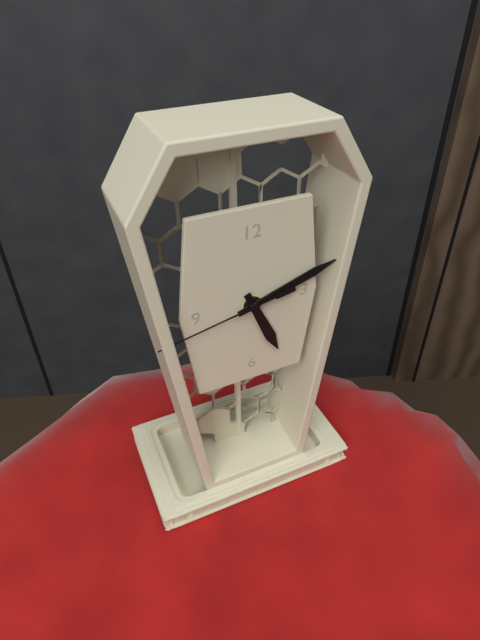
5:12:43
